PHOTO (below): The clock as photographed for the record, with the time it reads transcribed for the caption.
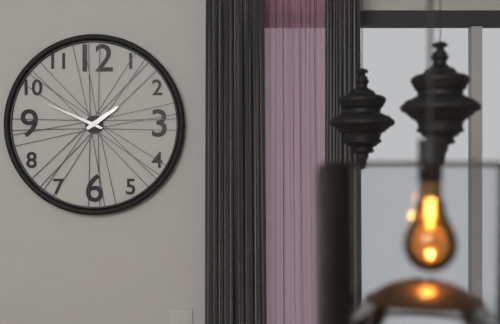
1:49
